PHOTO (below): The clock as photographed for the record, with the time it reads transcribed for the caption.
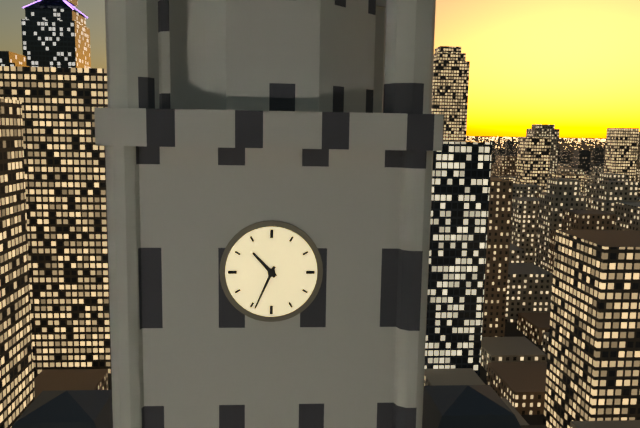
10:34
